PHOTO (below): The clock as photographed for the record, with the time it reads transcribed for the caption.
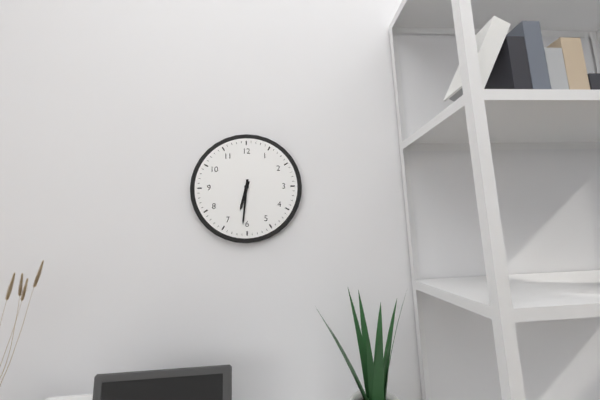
6:31
